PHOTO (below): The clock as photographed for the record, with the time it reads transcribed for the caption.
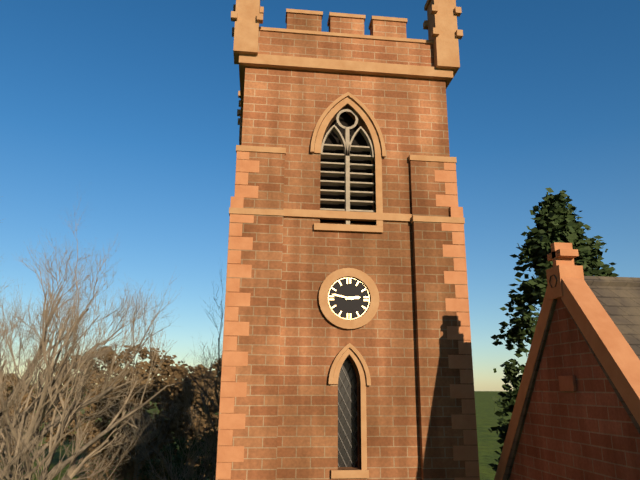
2:47
